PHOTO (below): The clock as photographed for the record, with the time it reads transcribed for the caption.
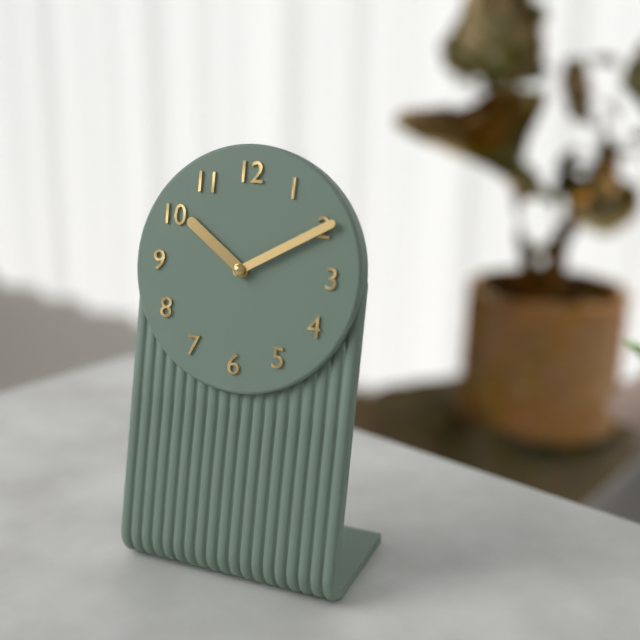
10:10
